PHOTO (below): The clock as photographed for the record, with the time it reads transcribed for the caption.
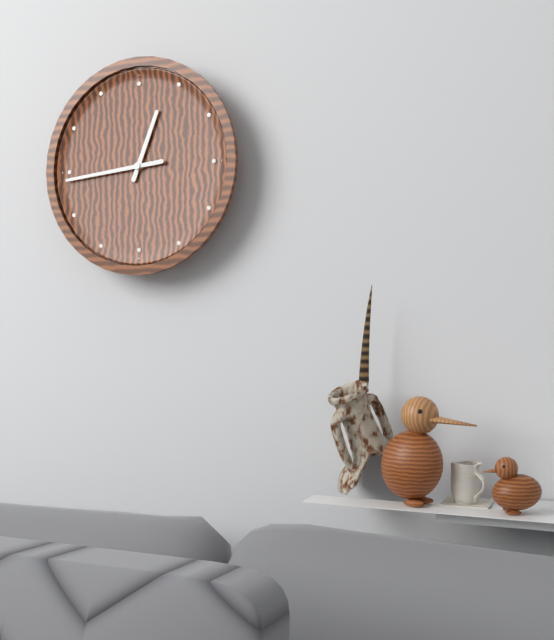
12:44
